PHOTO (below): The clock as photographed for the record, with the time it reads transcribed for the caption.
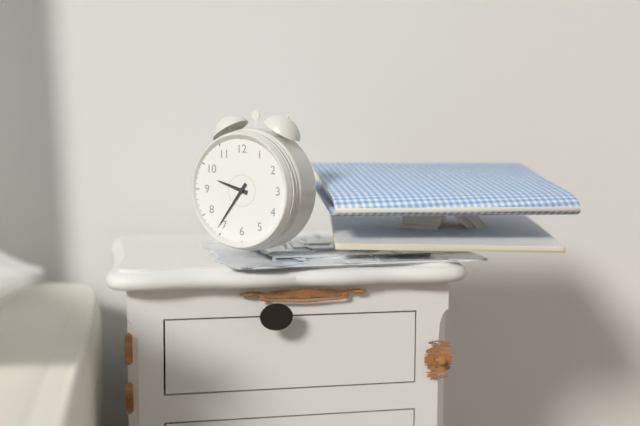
9:36
